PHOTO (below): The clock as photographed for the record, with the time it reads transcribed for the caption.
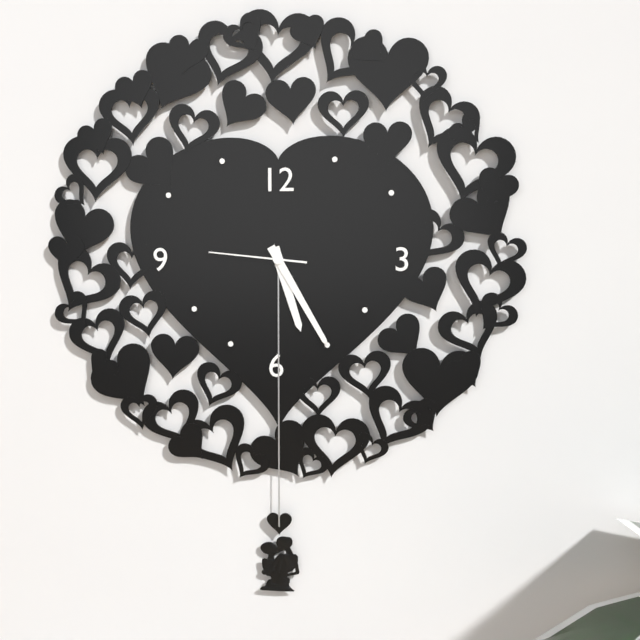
5:25:46
